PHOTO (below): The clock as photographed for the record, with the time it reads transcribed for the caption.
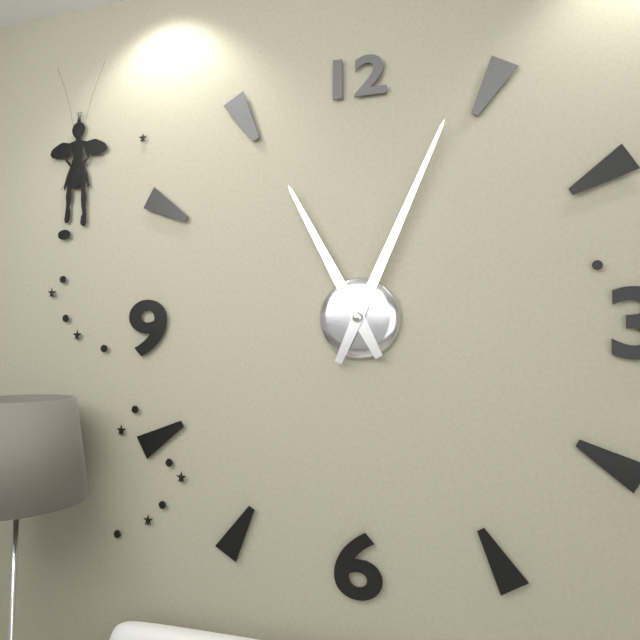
11:04
